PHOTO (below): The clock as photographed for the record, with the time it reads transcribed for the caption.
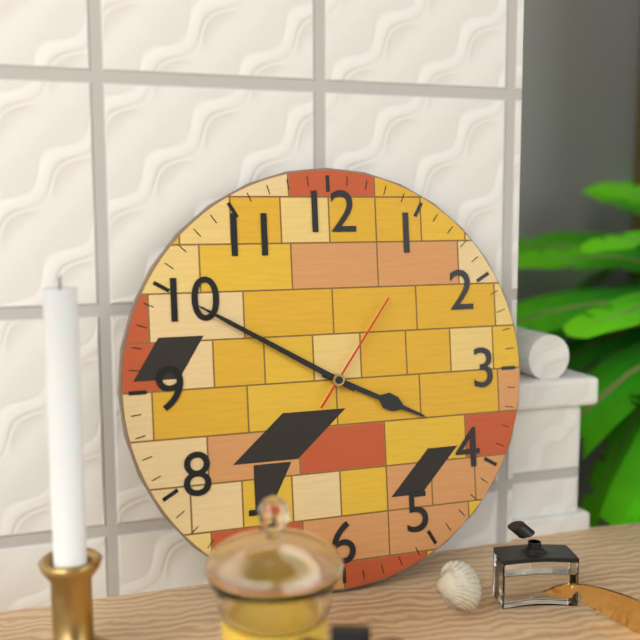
3:50:06
